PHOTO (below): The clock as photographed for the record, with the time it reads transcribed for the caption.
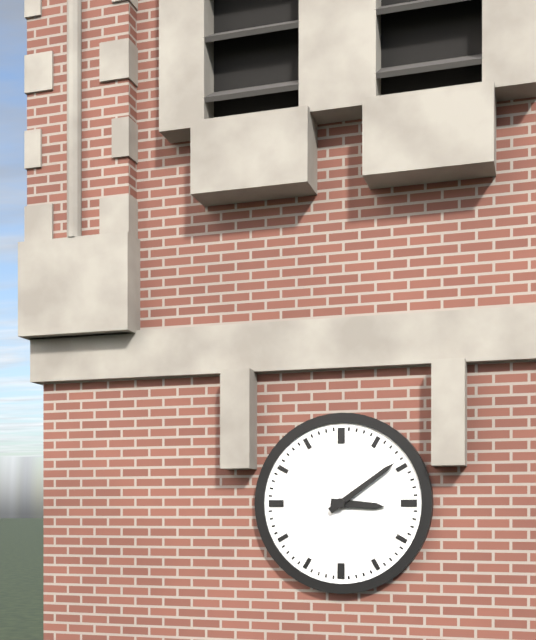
3:09
